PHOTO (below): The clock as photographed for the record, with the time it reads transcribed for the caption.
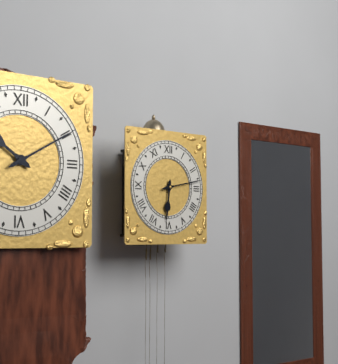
6:13
